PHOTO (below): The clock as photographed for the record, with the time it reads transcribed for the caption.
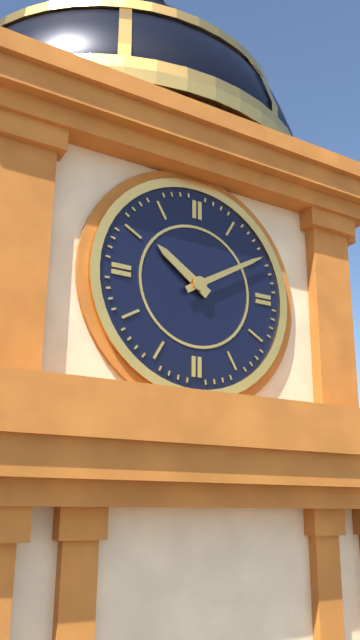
10:10
